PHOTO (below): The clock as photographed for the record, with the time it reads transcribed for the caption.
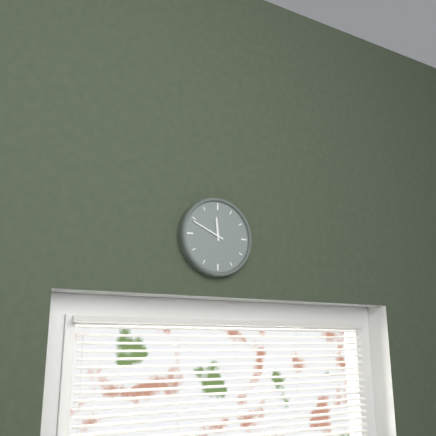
11:49
